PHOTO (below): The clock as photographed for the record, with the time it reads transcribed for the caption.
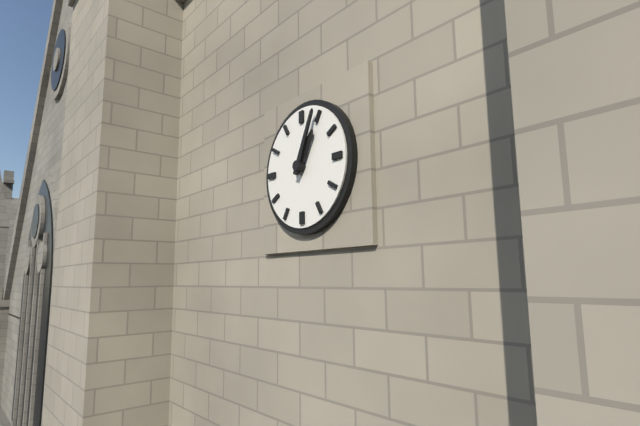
1:04
